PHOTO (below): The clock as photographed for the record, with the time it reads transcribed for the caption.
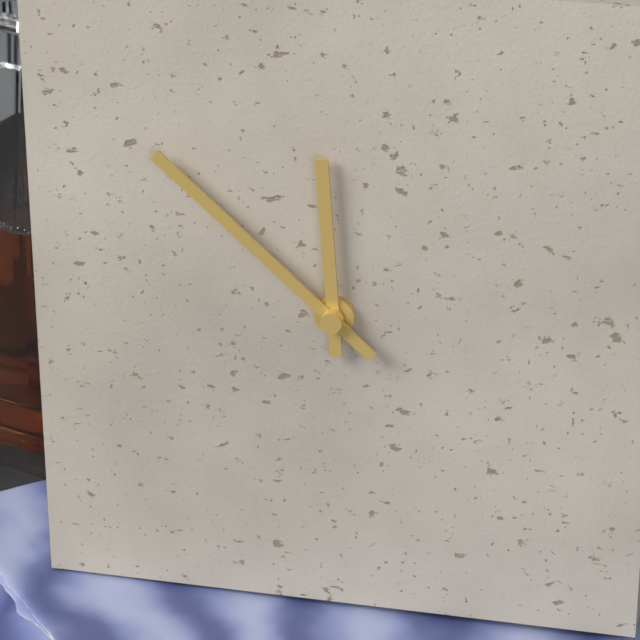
11:52
